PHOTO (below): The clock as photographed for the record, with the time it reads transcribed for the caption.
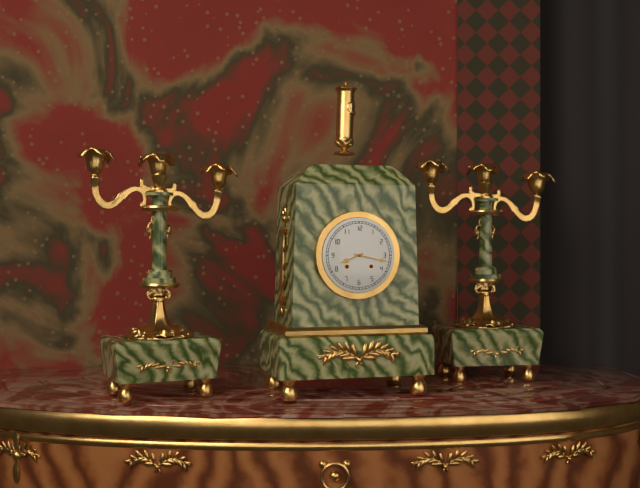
8:17
